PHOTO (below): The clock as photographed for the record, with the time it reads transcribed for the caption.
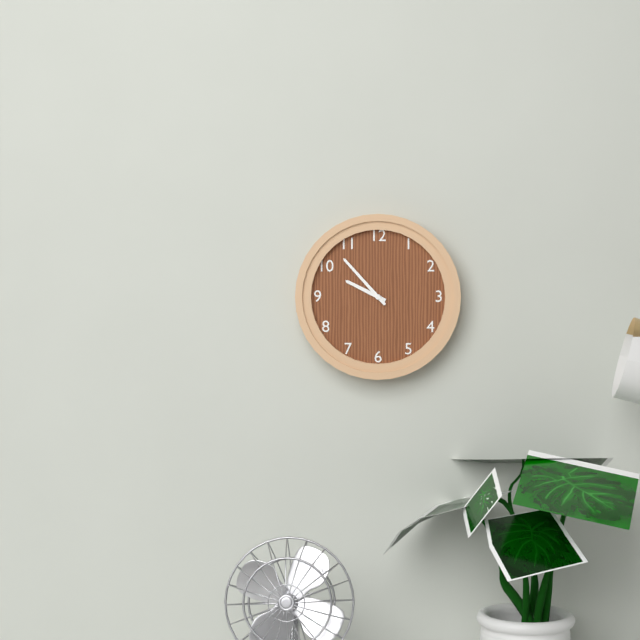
9:53
